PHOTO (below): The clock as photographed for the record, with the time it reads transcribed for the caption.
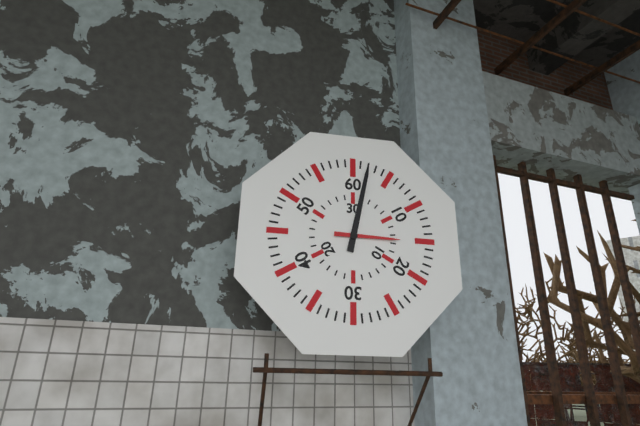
3:02
